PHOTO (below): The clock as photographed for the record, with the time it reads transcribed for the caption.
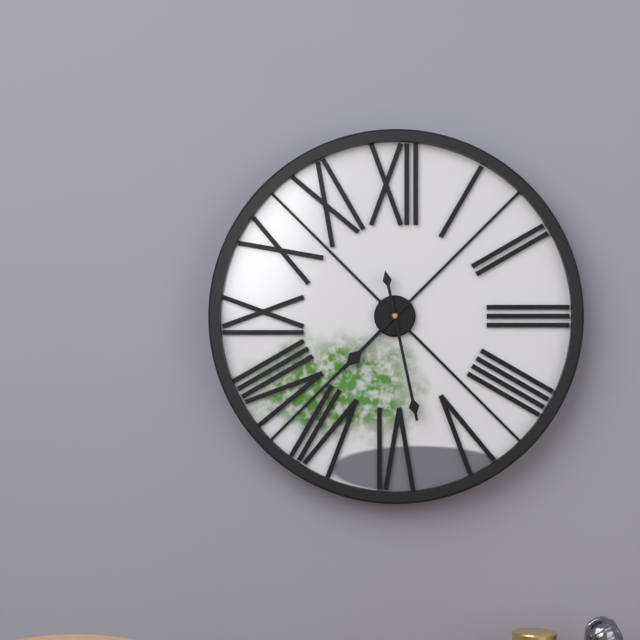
7:28
